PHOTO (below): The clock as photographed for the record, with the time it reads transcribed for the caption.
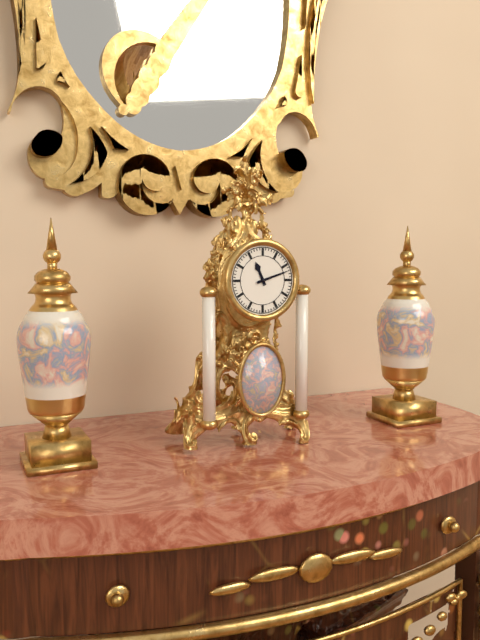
11:12
